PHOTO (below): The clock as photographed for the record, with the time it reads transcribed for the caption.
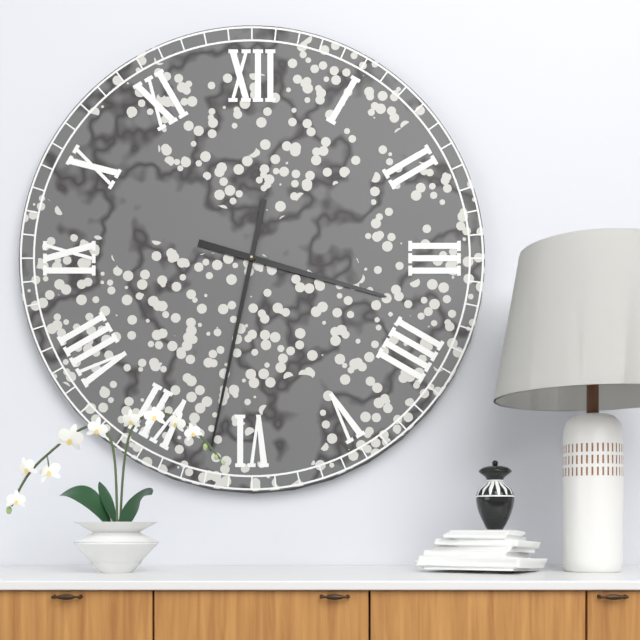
3:32
